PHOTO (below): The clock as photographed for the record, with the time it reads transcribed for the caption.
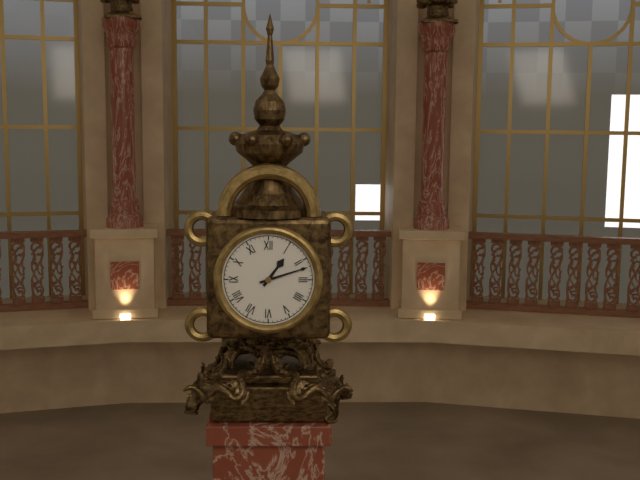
1:12
